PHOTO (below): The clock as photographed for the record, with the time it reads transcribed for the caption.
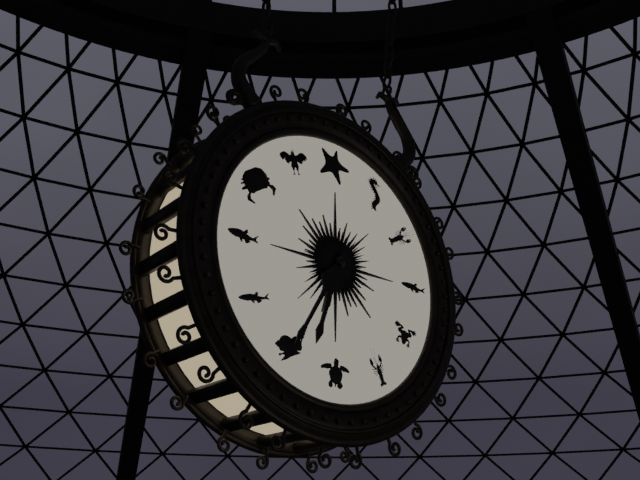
6:35
